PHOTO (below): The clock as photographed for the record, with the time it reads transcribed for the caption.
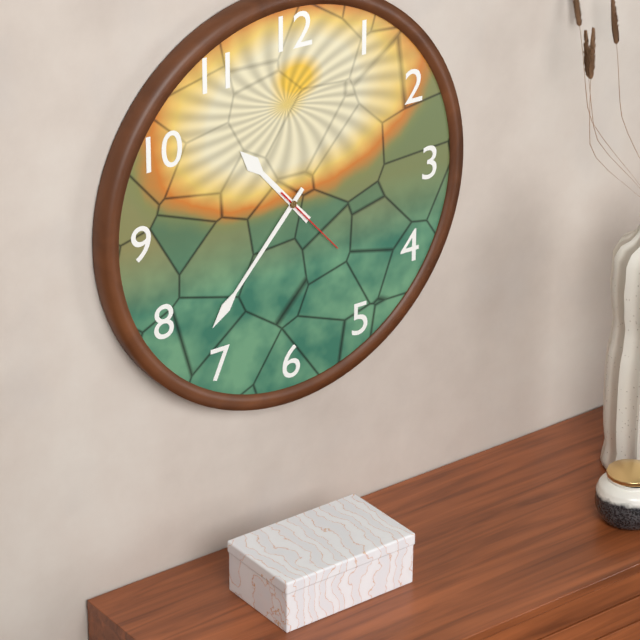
10:37:23
